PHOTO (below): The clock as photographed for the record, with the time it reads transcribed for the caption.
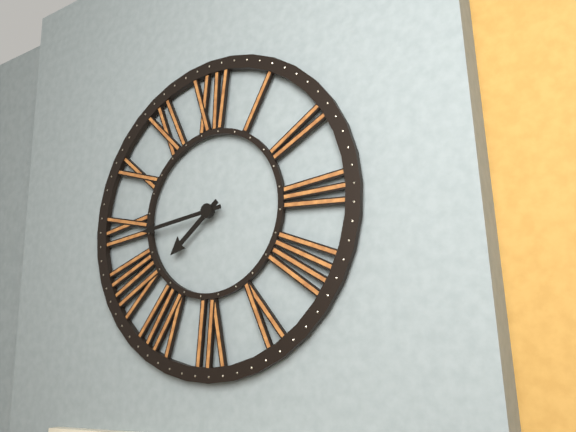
7:44
